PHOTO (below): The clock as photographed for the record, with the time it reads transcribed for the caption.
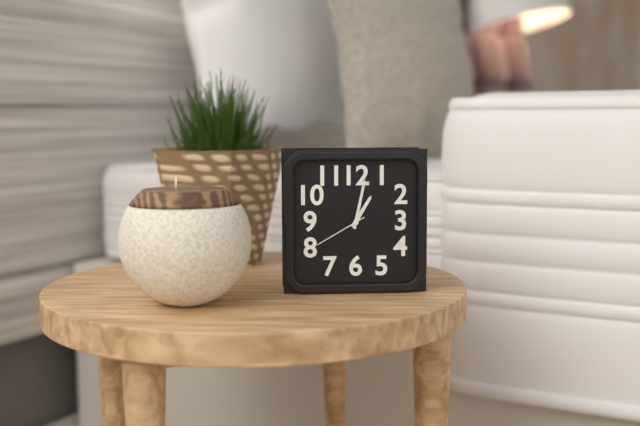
1:02:40
